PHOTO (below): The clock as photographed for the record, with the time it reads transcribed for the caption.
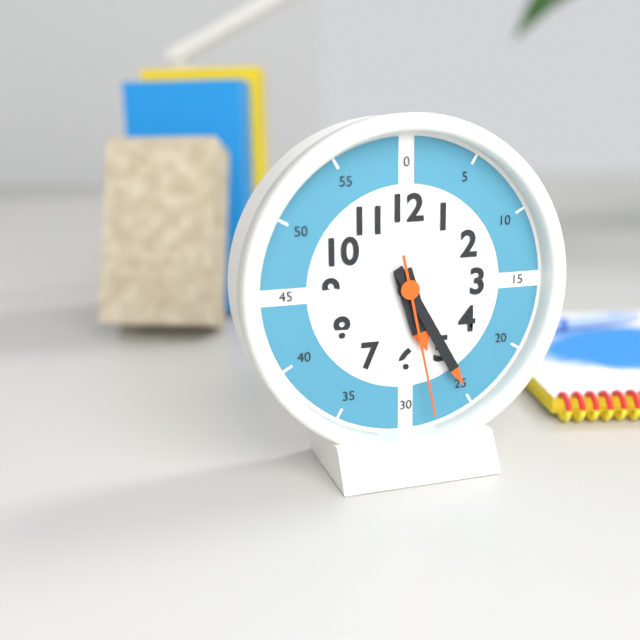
5:25:28
